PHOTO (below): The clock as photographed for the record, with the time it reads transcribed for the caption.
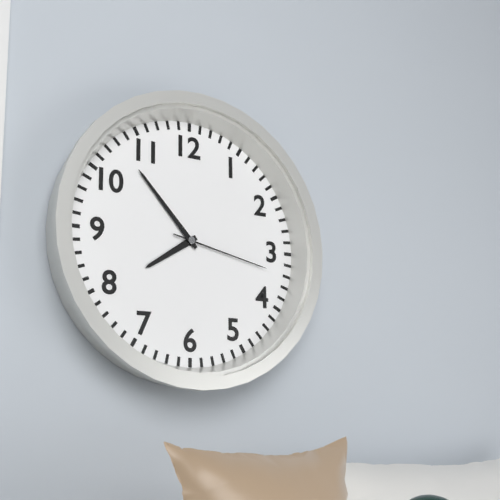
7:53:17
